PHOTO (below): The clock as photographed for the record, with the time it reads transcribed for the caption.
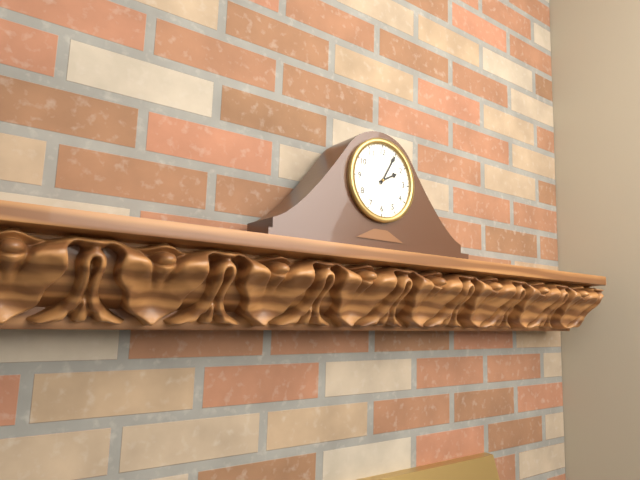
2:05
